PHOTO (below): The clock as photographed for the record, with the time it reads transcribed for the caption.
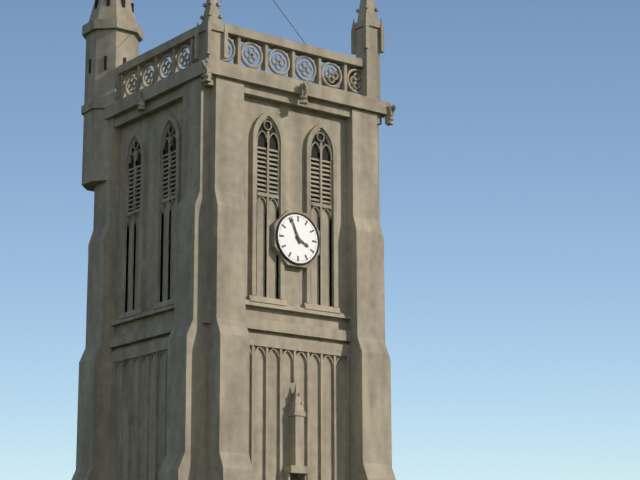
3:56
